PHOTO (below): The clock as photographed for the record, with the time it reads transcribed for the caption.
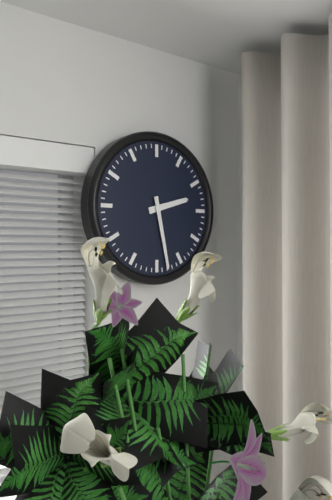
2:28
